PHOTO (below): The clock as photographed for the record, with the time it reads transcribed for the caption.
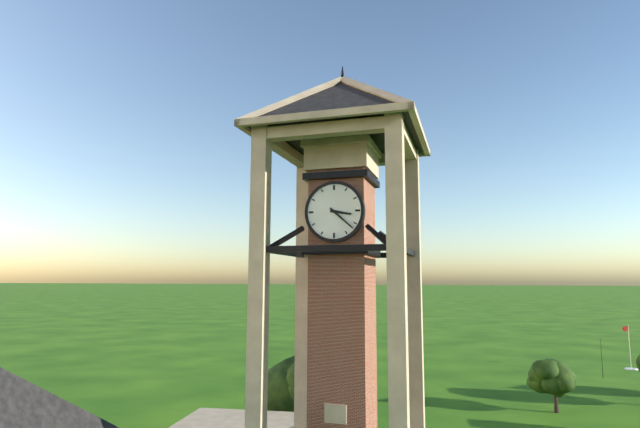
3:22
